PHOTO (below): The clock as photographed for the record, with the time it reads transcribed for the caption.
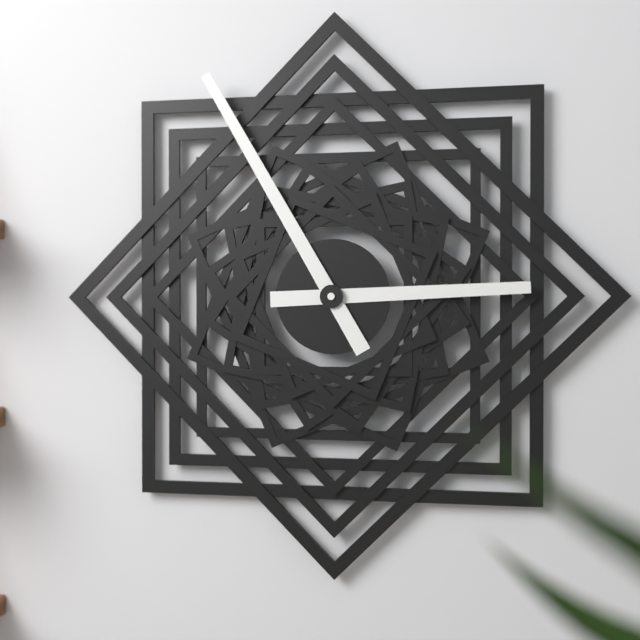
2:55
